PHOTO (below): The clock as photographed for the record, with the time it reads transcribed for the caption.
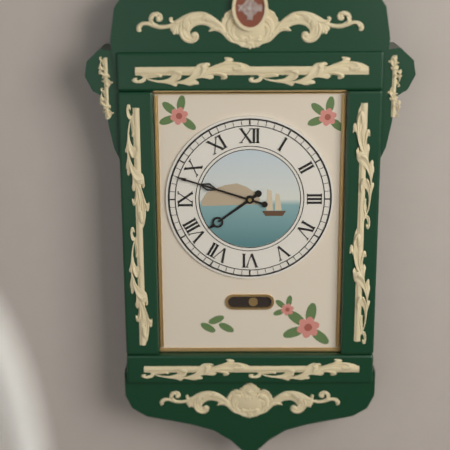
7:48
